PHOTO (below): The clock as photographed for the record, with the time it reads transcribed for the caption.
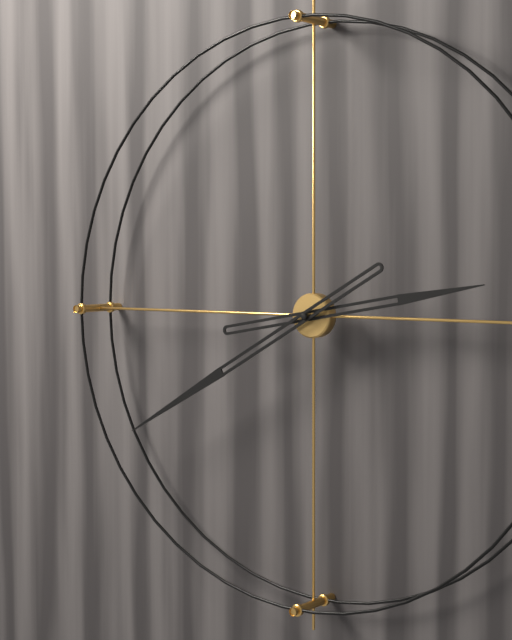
2:40
